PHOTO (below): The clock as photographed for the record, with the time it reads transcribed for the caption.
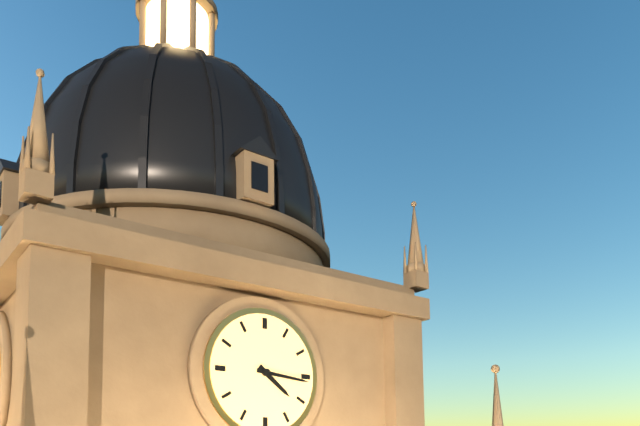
4:16
